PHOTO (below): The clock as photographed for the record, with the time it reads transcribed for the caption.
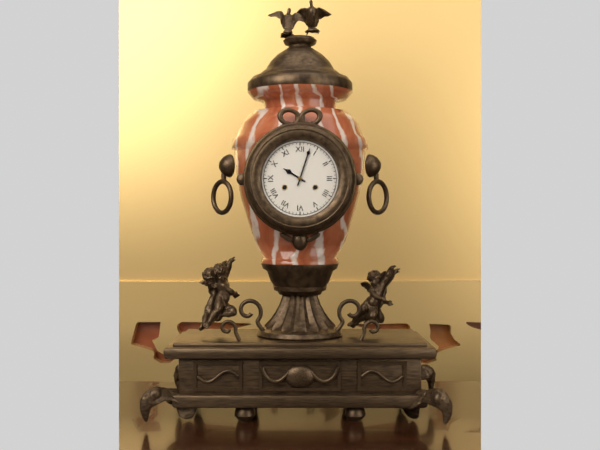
10:03
